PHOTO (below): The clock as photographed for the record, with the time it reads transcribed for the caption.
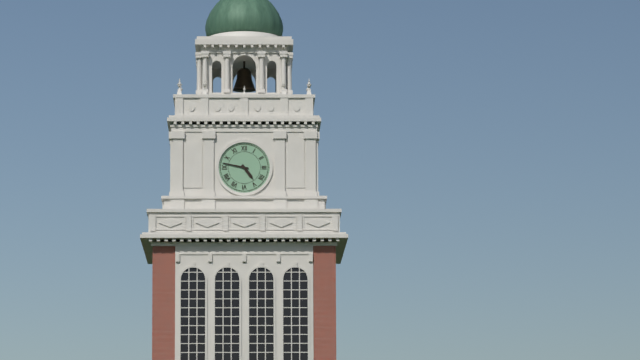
4:47
